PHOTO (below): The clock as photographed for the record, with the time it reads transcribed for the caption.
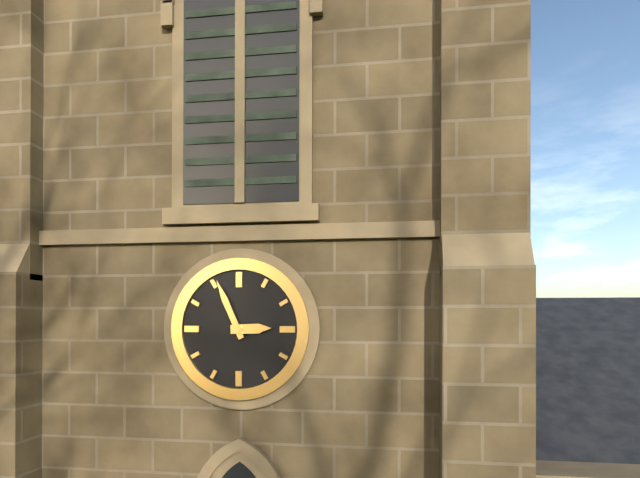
2:56
